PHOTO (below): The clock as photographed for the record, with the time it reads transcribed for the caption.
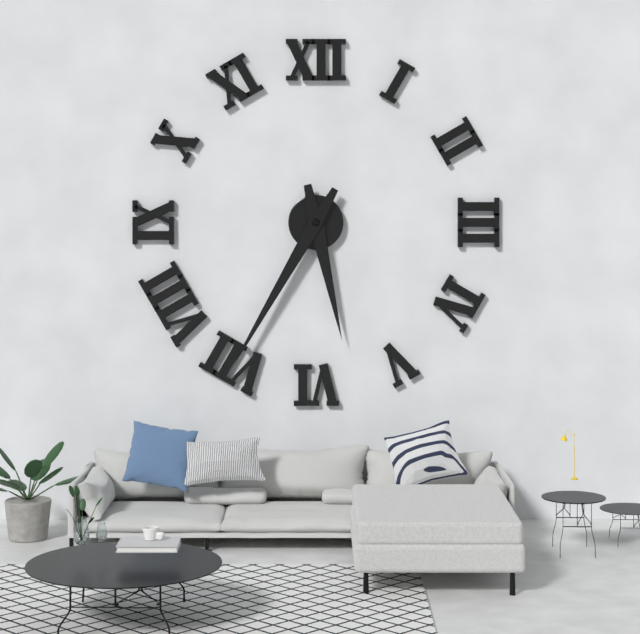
5:35
